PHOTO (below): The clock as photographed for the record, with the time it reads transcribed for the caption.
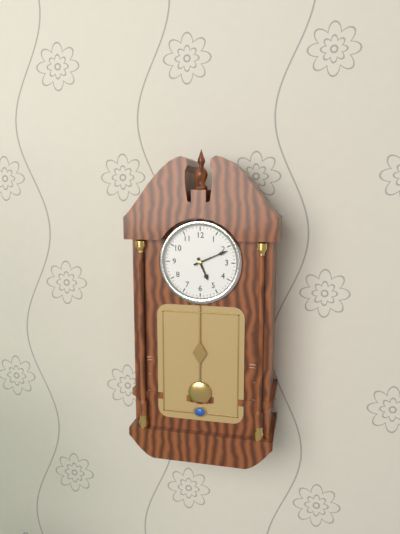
5:11
